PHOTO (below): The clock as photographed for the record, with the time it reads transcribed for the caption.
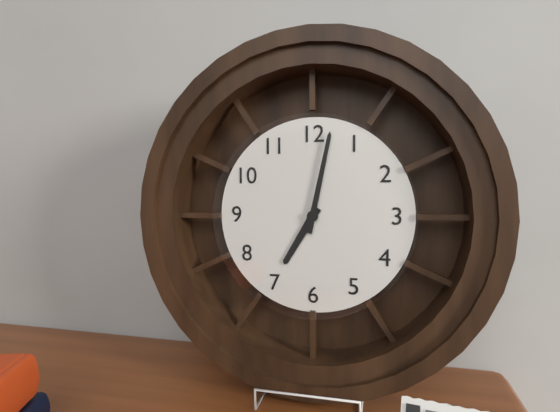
7:02
